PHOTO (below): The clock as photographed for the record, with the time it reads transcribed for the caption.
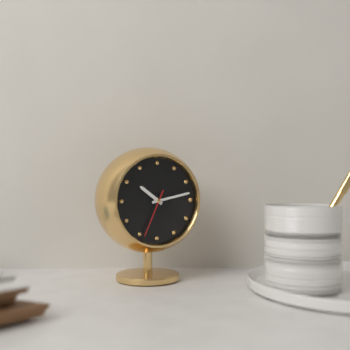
10:13
